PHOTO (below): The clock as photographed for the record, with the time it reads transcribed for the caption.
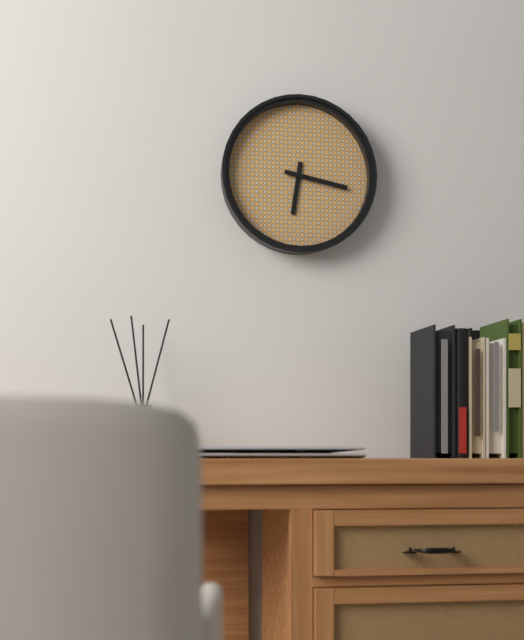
6:17
